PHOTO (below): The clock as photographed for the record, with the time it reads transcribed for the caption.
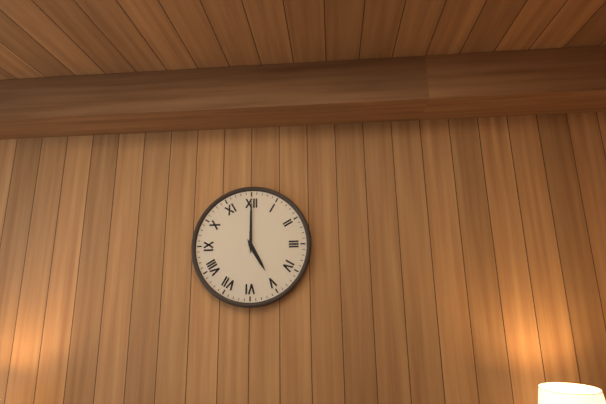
5:00
